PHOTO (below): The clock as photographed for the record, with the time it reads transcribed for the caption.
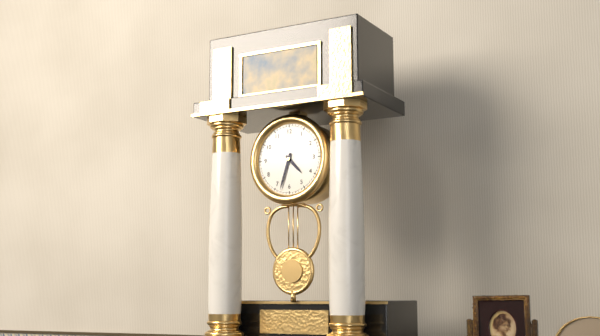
4:33
